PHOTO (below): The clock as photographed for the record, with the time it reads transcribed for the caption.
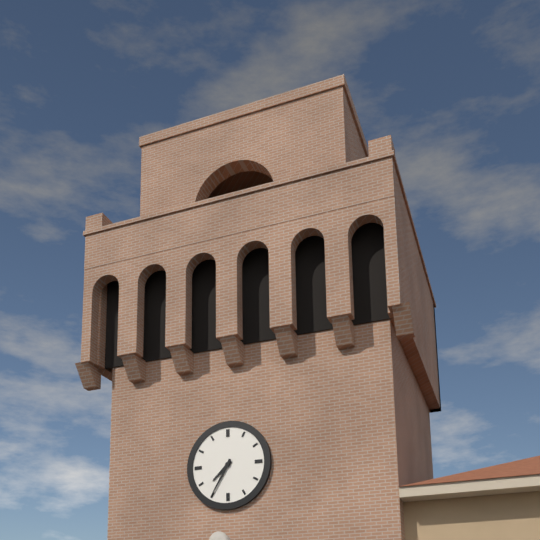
7:35
